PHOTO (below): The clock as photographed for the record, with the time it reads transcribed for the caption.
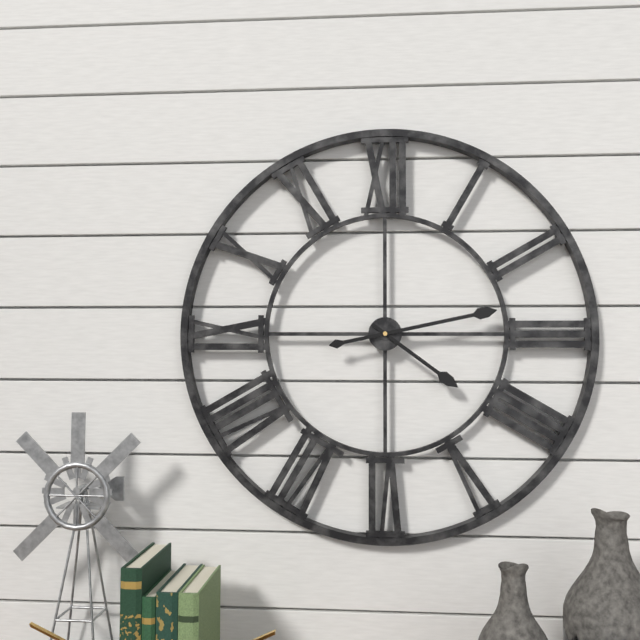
4:13
